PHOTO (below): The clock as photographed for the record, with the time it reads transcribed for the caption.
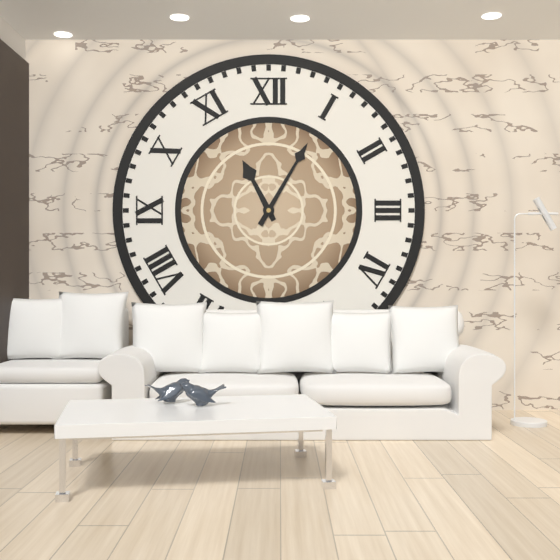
11:05
